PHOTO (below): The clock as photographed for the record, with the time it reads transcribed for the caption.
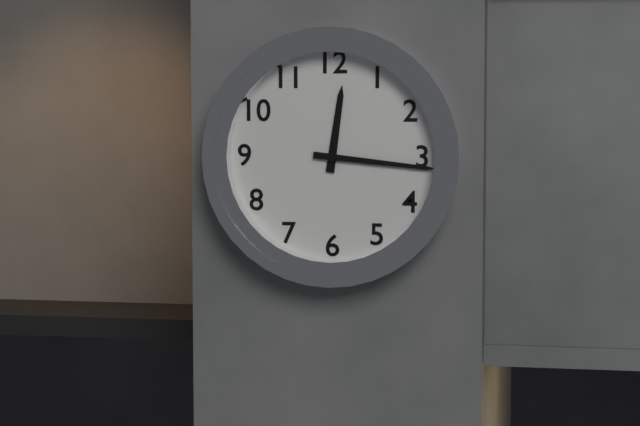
12:16
